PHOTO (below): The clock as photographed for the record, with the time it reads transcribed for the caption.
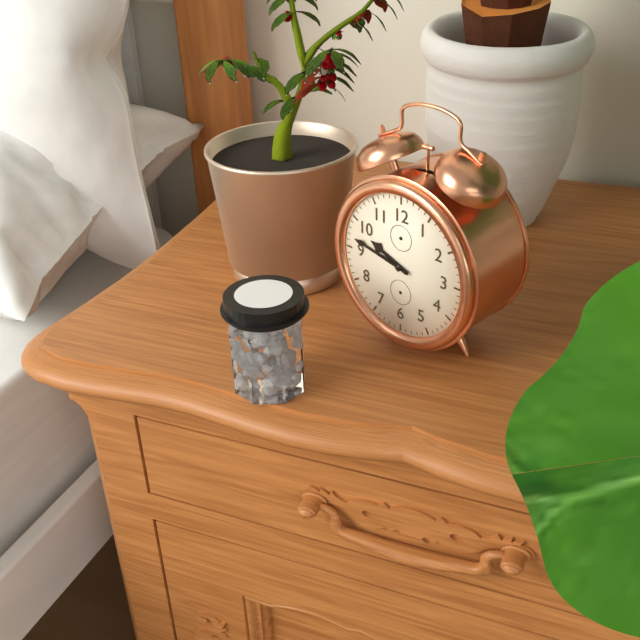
9:47
